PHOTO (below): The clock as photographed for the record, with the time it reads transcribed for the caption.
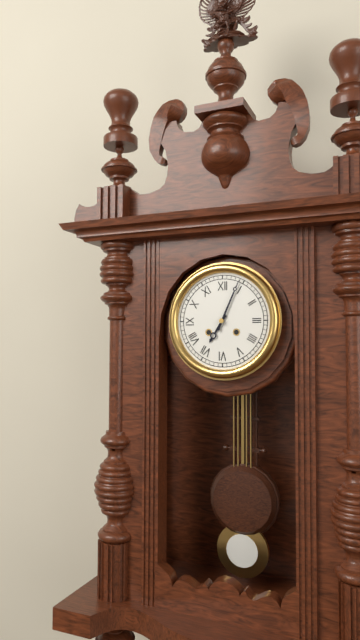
7:04
